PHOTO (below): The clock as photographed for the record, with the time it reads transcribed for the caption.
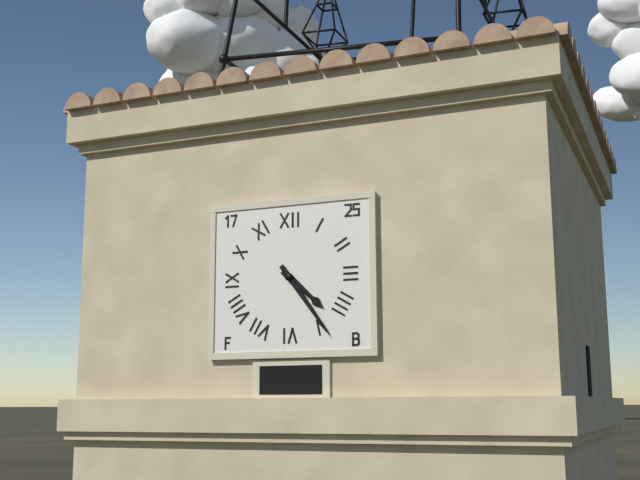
4:24
